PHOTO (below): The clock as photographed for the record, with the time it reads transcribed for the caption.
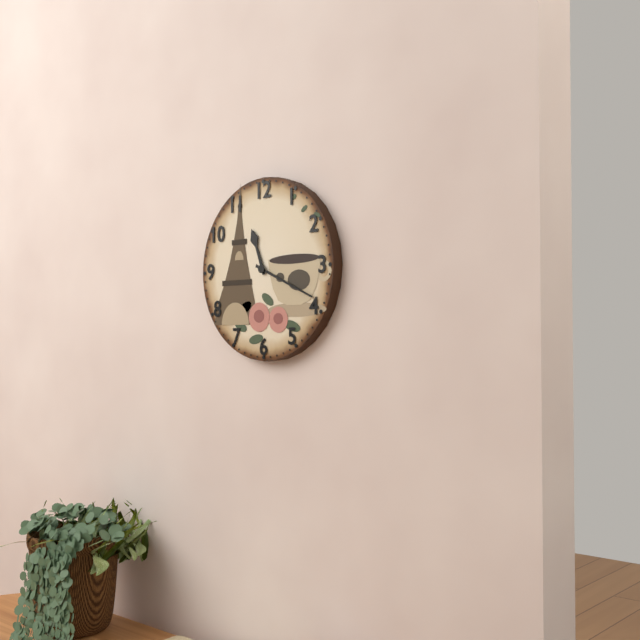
11:19
